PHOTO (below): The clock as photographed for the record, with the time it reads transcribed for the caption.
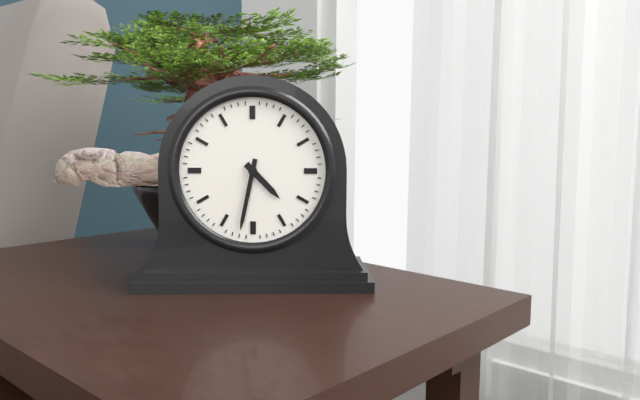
4:32
